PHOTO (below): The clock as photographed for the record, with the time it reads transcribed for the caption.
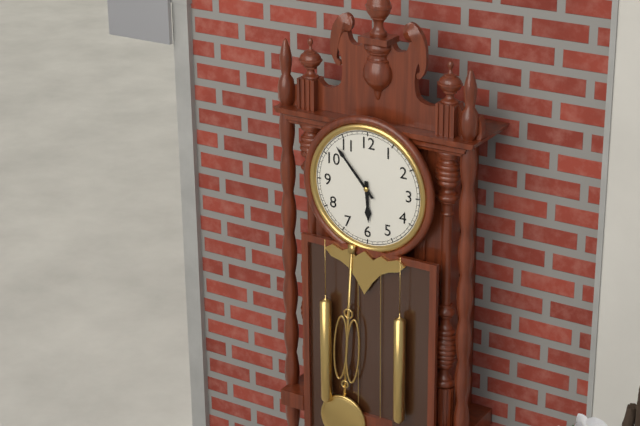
5:53
